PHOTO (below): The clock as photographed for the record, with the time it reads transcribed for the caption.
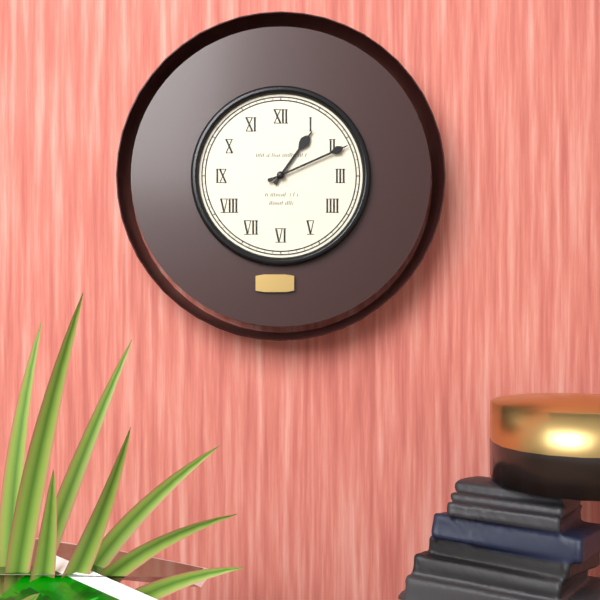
1:11
